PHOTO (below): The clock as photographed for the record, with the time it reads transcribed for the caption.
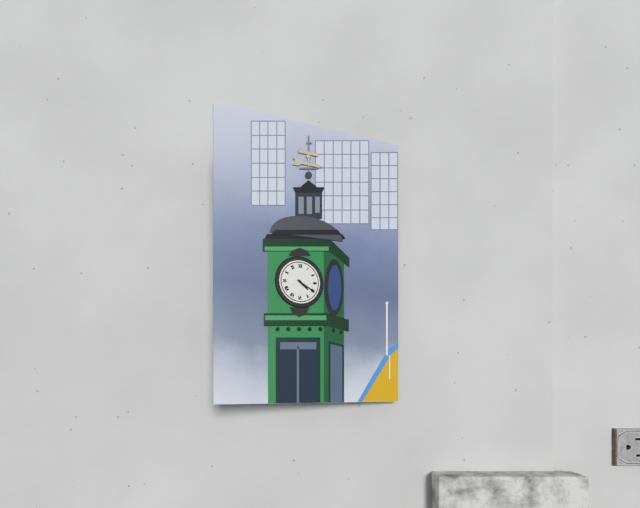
4:20
